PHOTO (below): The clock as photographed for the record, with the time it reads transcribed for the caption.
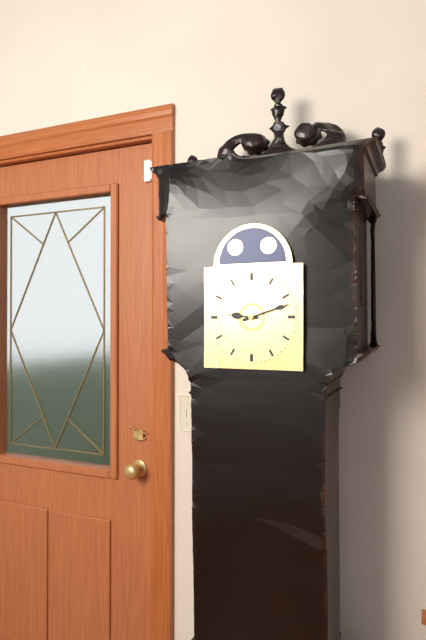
9:12
